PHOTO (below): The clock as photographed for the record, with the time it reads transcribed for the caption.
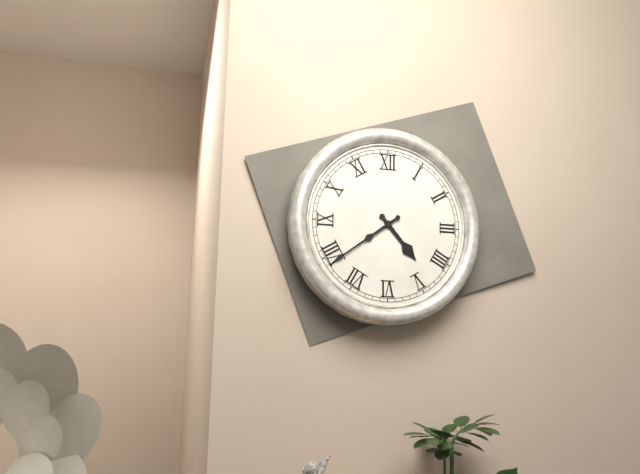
4:39
